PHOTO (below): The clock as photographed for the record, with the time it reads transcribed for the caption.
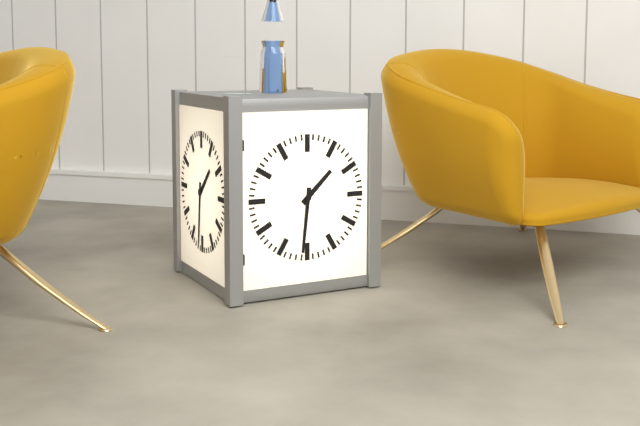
1:31
